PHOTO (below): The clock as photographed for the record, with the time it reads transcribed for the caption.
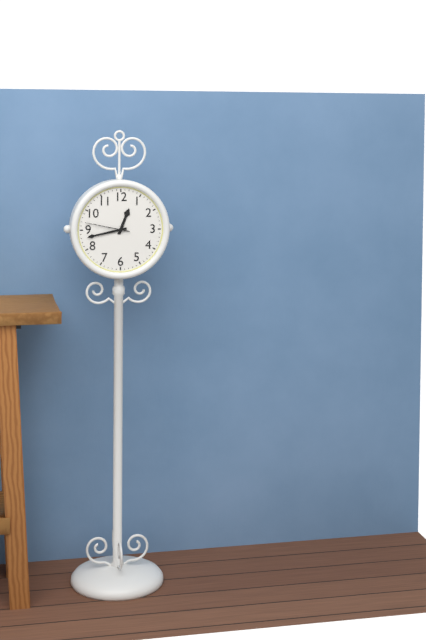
12:43
